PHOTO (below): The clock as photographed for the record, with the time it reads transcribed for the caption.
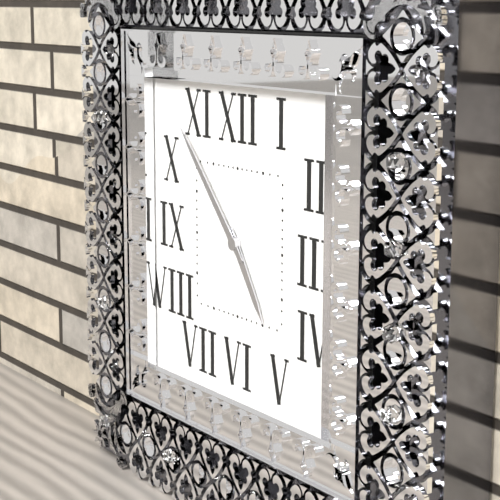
4:53
